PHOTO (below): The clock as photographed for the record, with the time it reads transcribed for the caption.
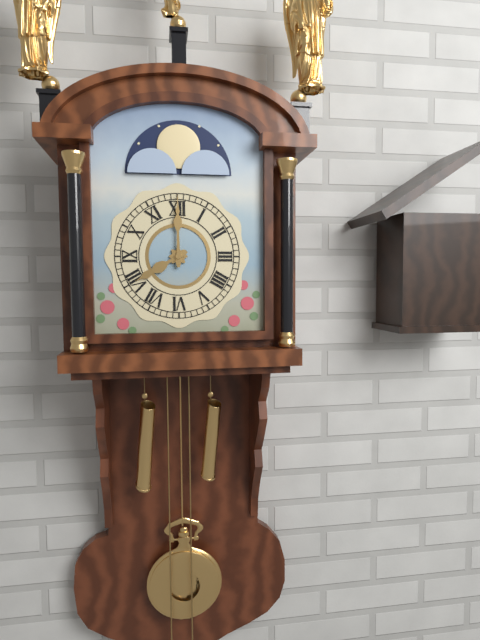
8:00
